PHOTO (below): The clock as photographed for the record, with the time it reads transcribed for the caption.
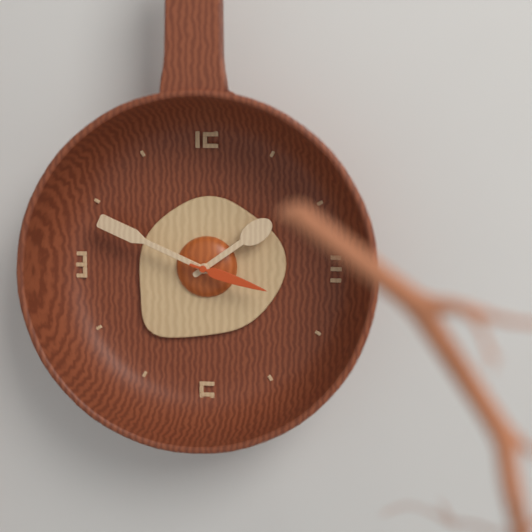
1:49:18
